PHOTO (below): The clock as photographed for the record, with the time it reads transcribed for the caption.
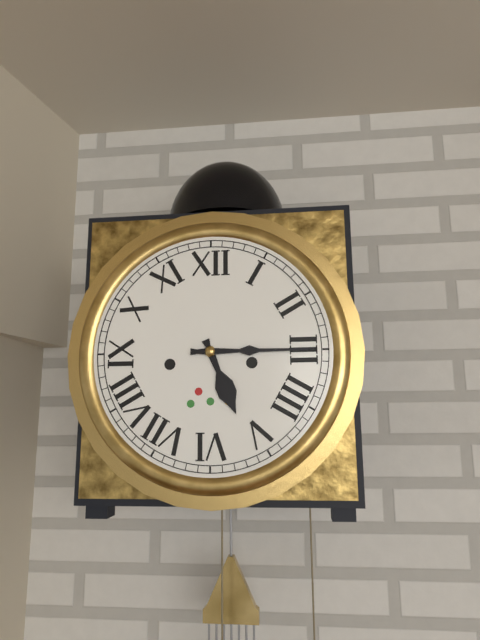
5:15
